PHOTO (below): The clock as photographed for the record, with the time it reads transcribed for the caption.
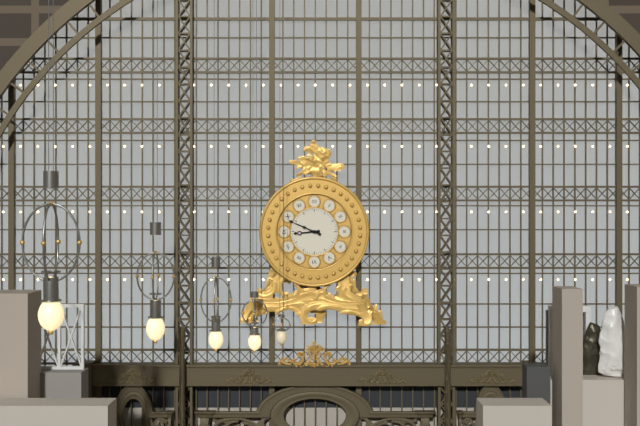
8:49
